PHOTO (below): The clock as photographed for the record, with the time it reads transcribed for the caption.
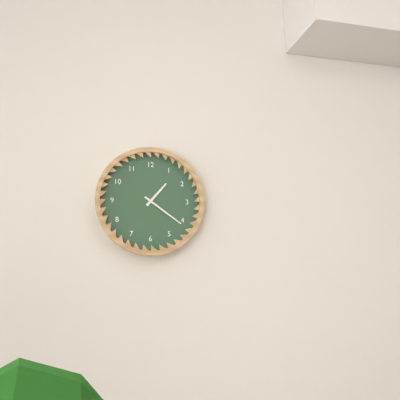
1:21
